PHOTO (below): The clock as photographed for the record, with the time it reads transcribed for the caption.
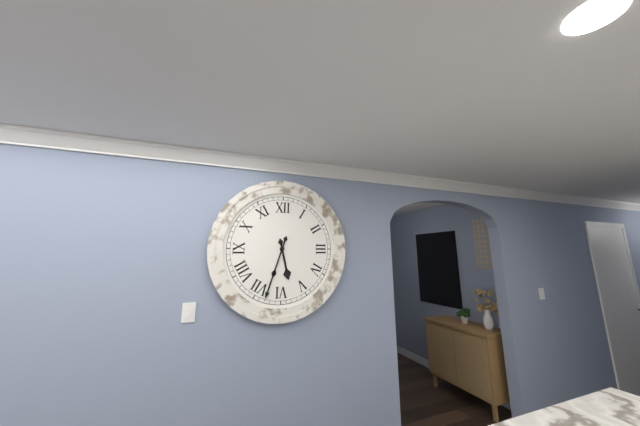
5:33
